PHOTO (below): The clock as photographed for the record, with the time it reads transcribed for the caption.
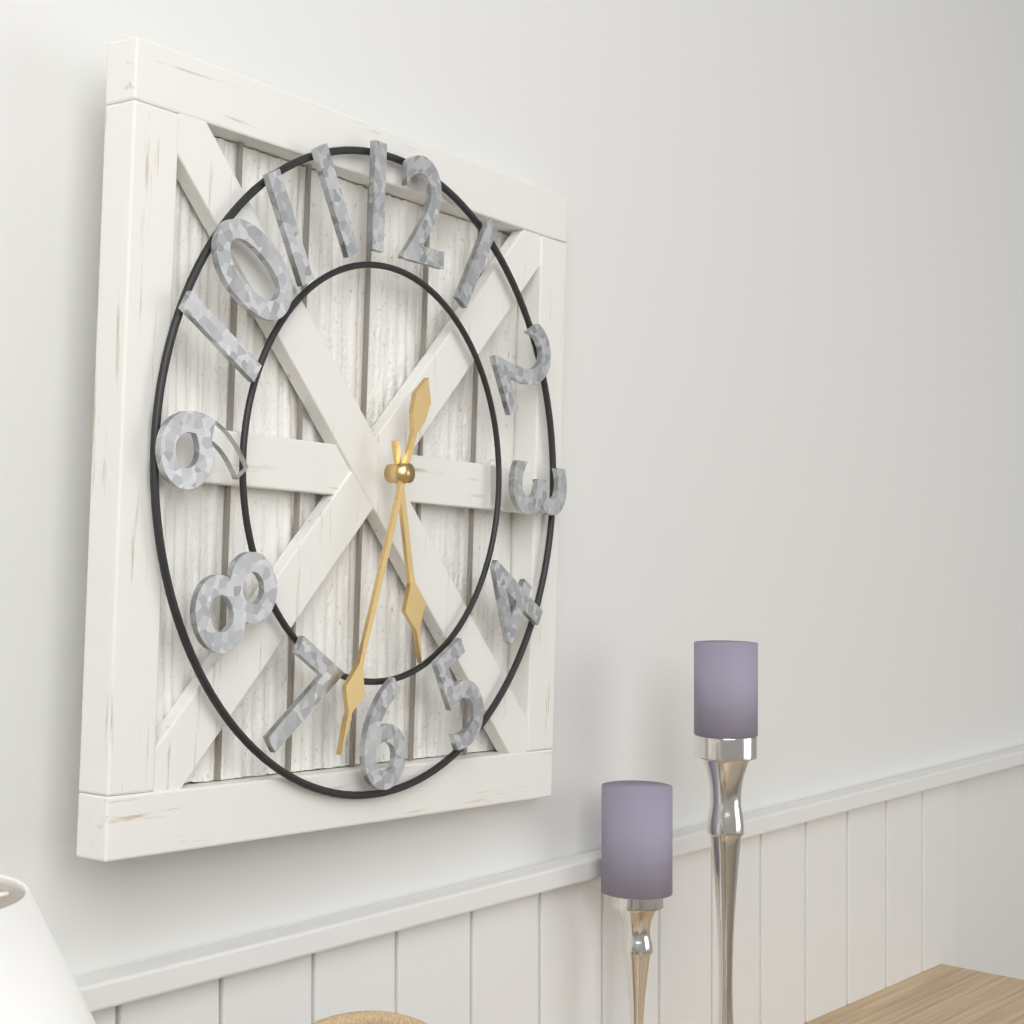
5:33
